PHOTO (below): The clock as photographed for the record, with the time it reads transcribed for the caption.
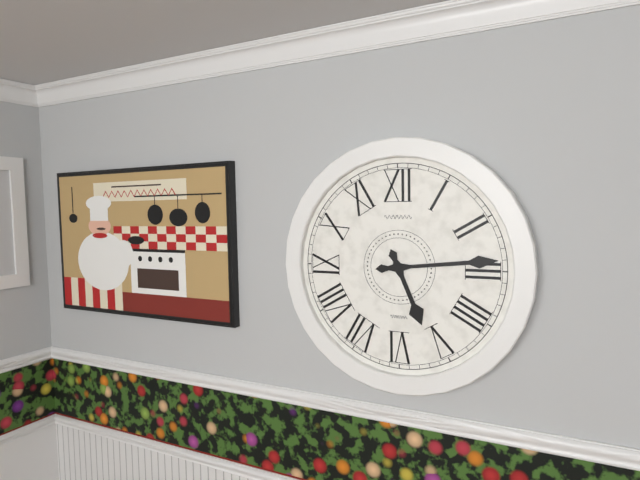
5:14
